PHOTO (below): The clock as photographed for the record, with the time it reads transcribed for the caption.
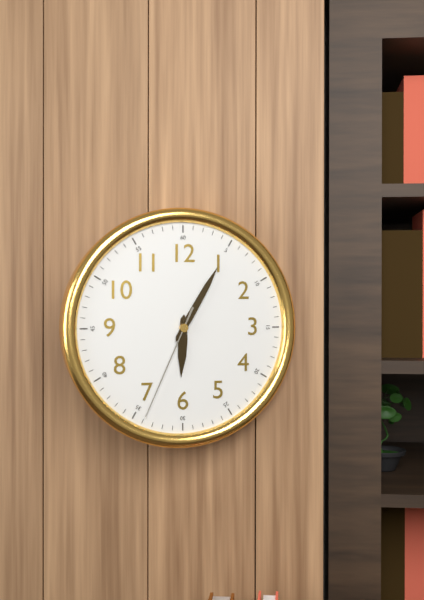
6:05:34
